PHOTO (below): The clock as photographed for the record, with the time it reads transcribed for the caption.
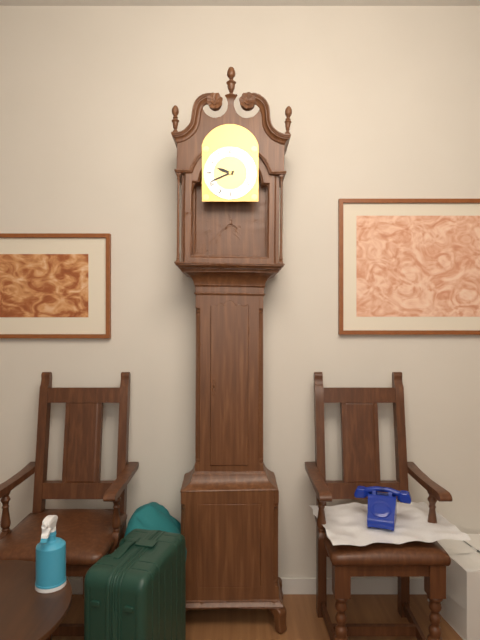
9:41
